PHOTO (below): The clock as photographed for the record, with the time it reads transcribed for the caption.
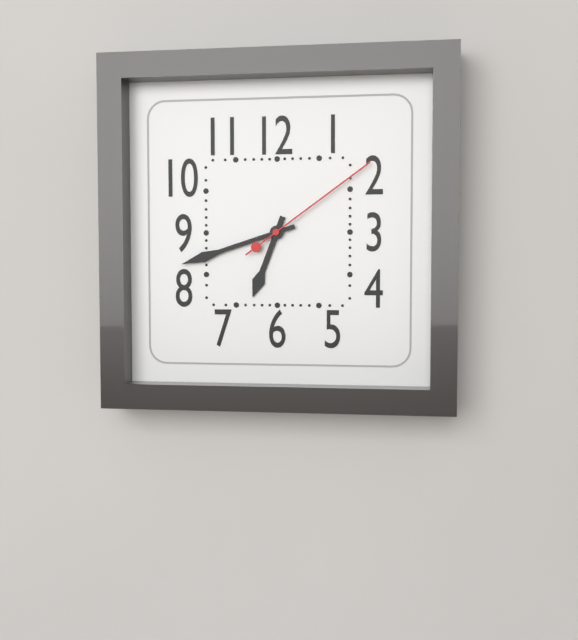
6:42:09
